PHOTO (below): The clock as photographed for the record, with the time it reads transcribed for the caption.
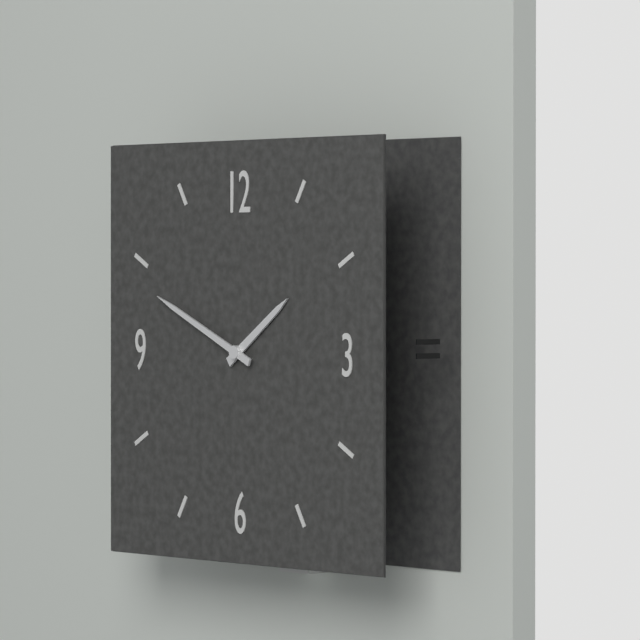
1:49
